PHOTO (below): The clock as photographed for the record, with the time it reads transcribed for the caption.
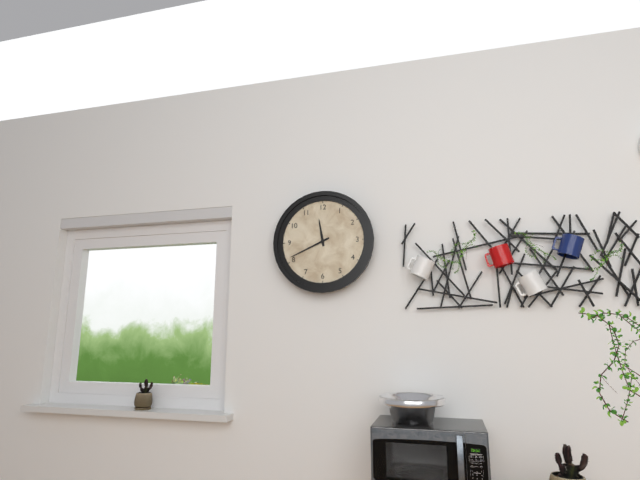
11:41
